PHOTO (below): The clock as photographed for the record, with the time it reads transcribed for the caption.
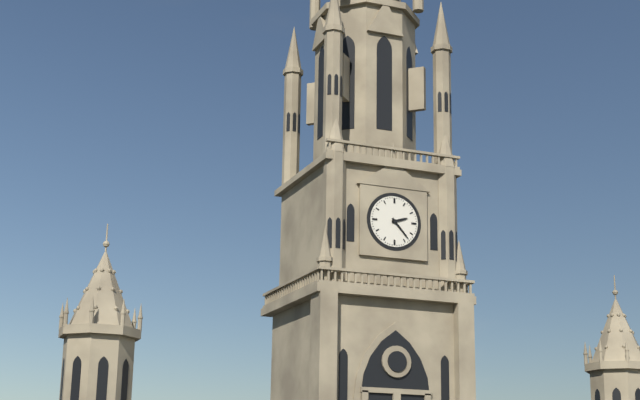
2:23
